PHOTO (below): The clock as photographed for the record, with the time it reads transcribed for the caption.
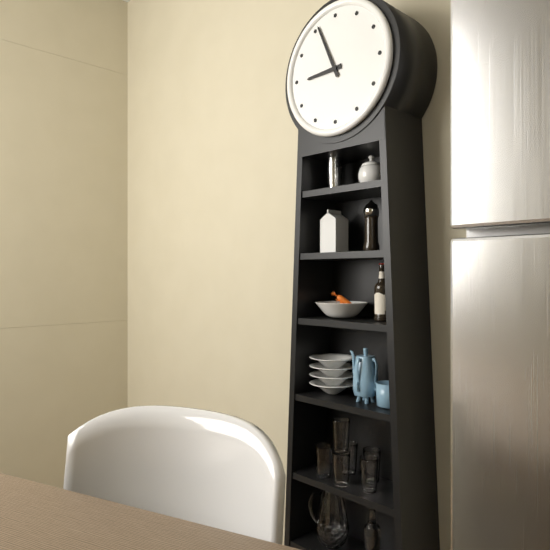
8:56
